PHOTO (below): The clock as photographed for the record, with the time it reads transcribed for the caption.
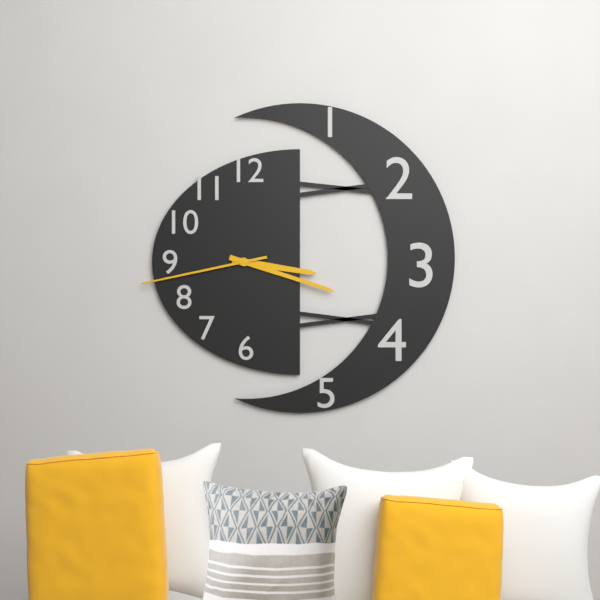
3:18:43
